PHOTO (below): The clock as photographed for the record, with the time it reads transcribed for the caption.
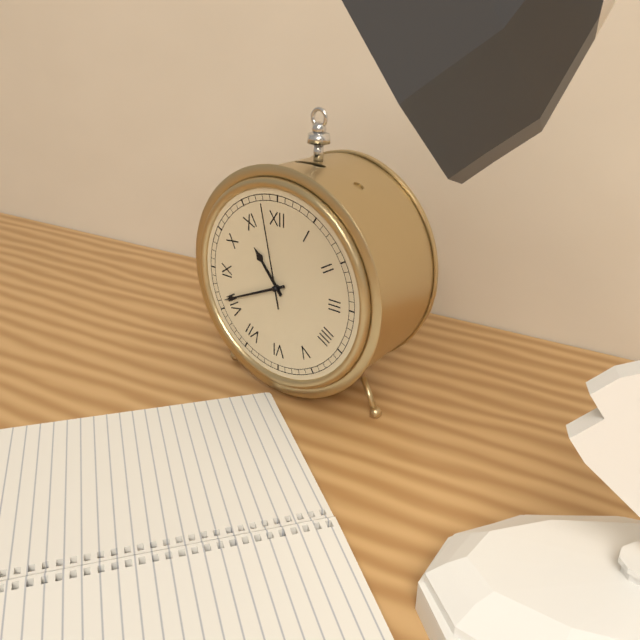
10:41:58
